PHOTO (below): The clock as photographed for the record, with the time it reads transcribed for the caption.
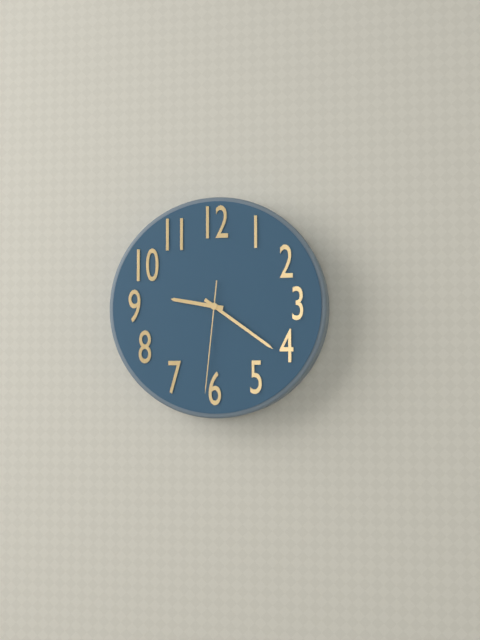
9:21:31
